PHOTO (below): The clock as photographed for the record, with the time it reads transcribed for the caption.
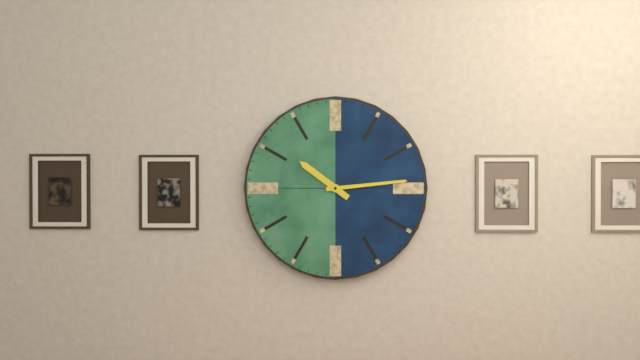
10:14
